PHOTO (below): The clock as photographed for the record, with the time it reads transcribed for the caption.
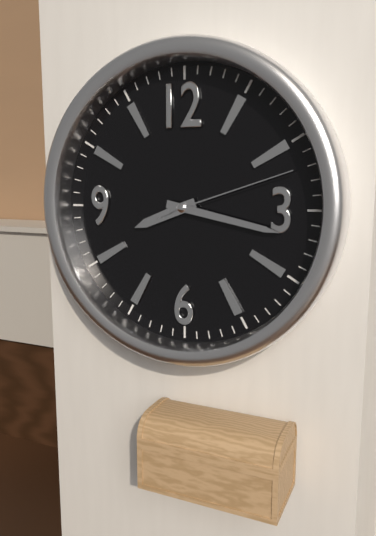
8:17:12
